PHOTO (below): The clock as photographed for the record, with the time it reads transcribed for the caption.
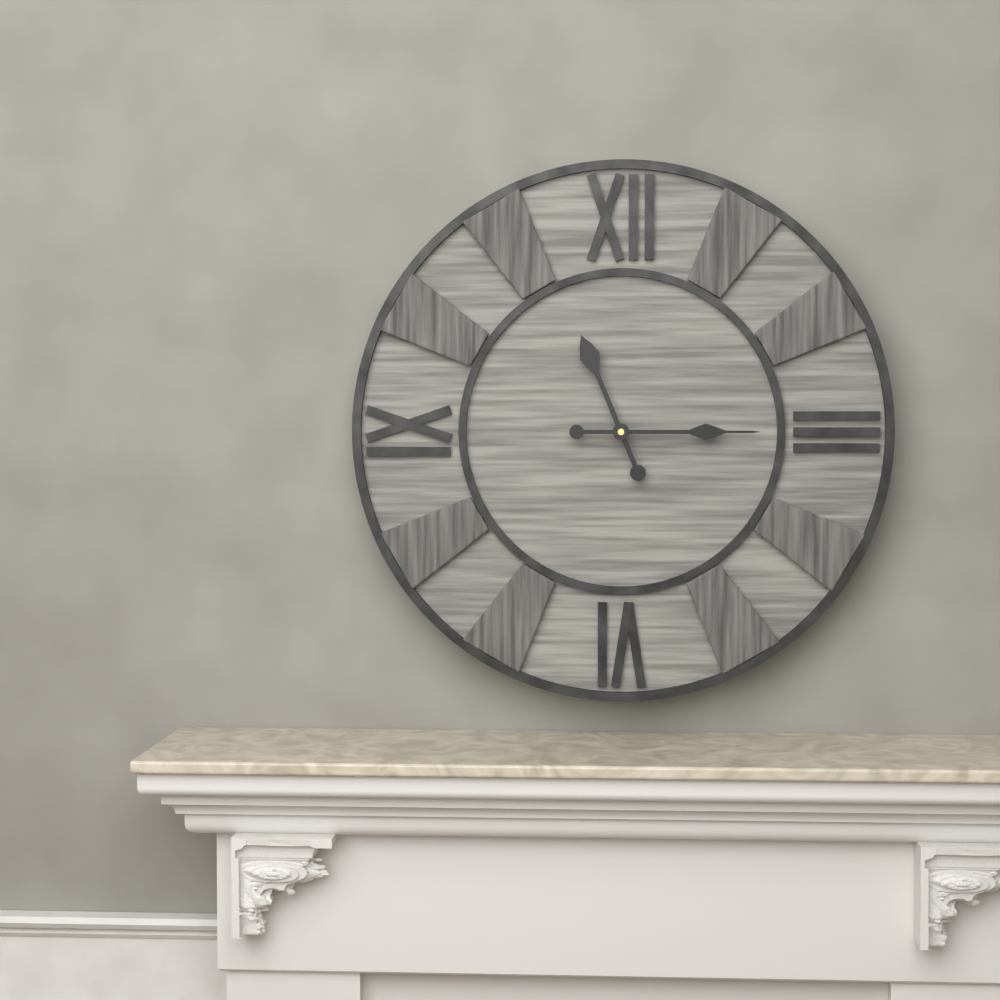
11:15
